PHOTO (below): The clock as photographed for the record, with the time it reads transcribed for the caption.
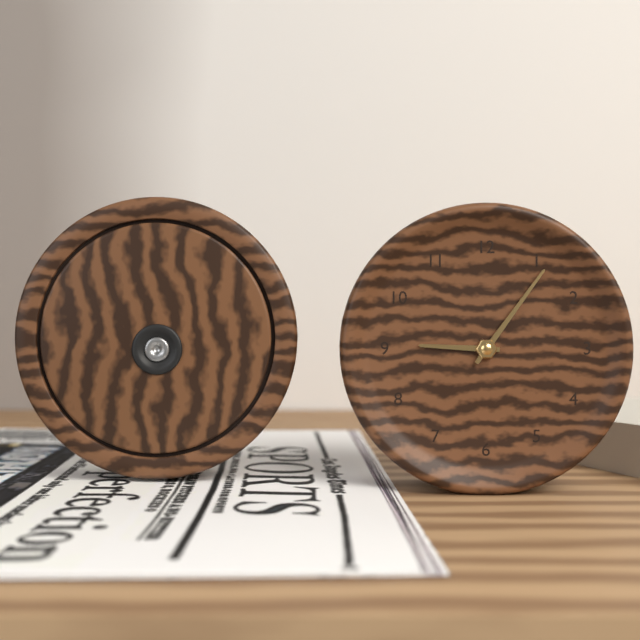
9:06
